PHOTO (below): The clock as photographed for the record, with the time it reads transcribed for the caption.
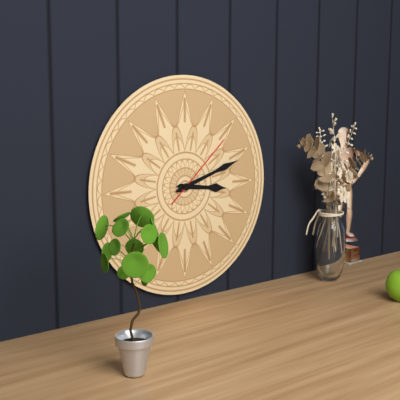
3:12:08
